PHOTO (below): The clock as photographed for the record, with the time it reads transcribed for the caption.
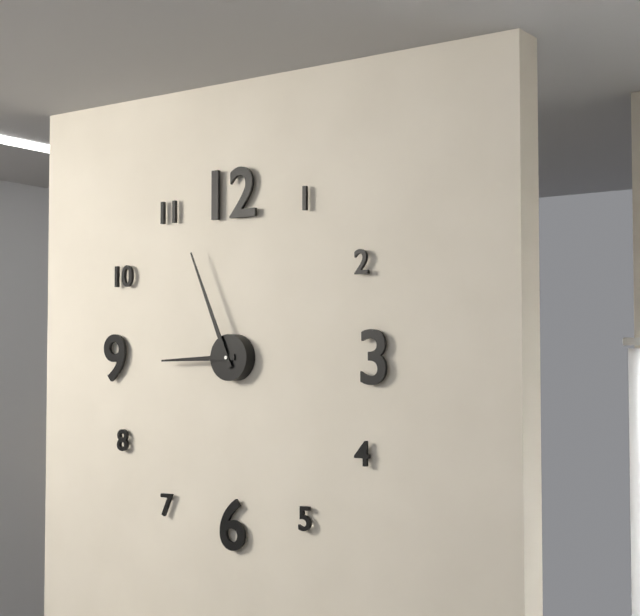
8:56
